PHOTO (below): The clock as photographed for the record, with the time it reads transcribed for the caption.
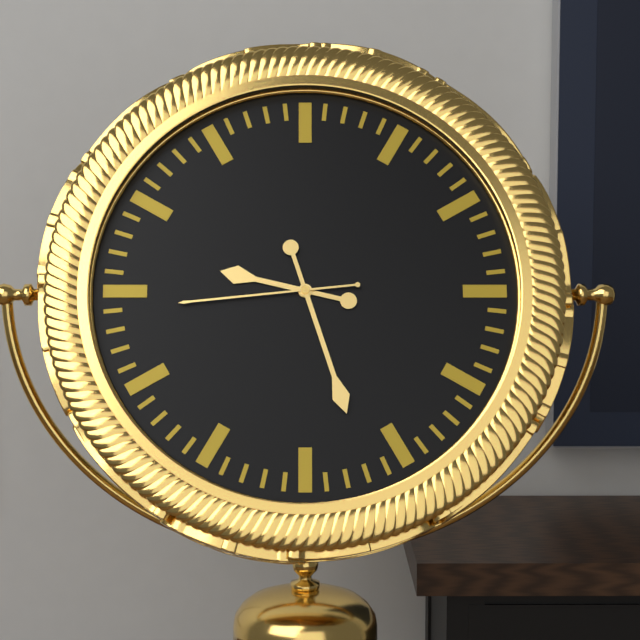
9:27:44
